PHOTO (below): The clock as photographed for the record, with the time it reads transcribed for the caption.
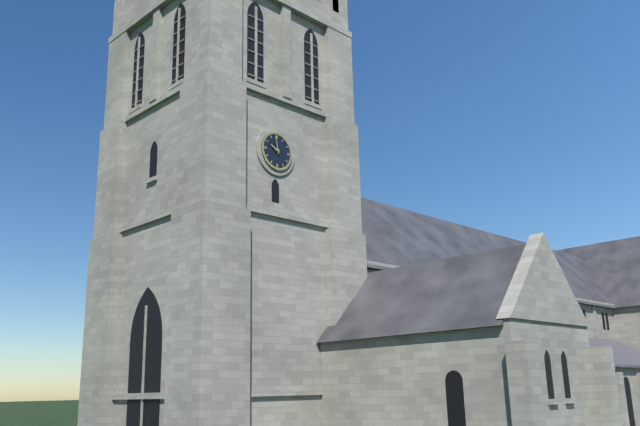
9:58
